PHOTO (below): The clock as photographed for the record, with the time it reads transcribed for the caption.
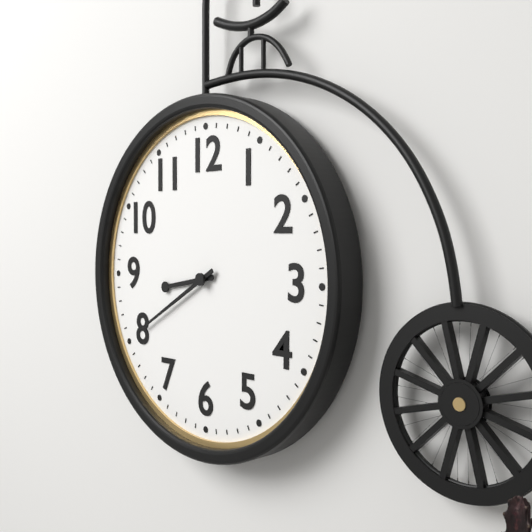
8:40
